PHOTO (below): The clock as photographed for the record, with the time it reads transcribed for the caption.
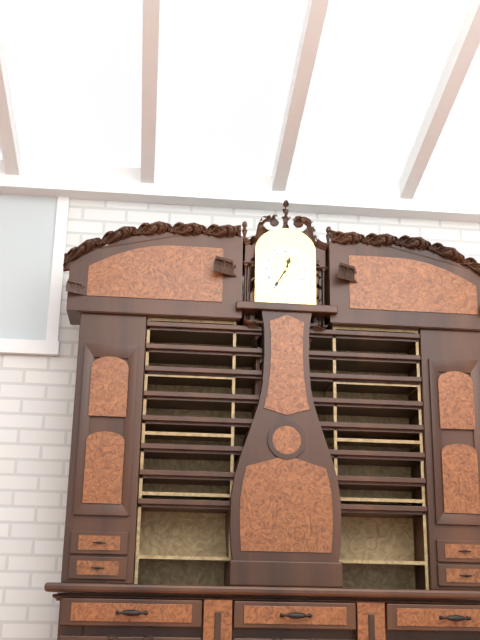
12:35
